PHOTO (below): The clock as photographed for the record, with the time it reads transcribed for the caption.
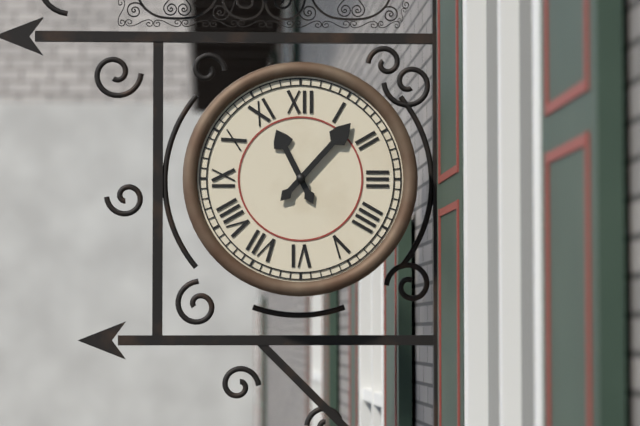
11:07
